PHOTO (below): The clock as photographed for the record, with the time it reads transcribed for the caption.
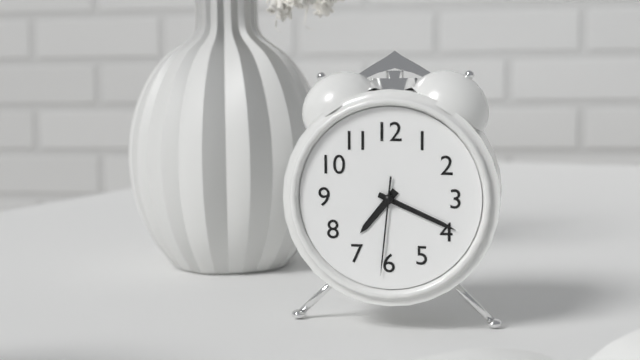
7:19:31
